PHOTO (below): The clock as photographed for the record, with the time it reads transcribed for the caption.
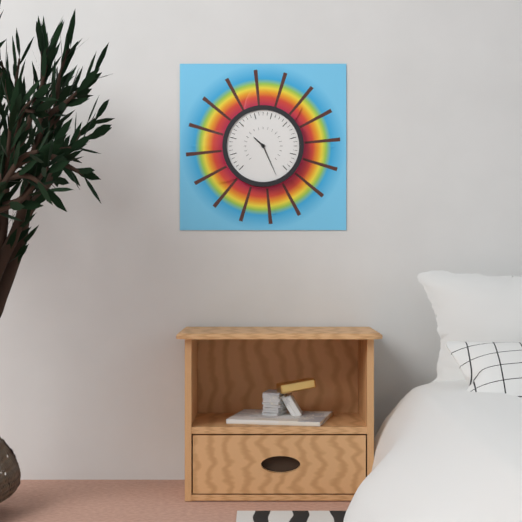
10:26
